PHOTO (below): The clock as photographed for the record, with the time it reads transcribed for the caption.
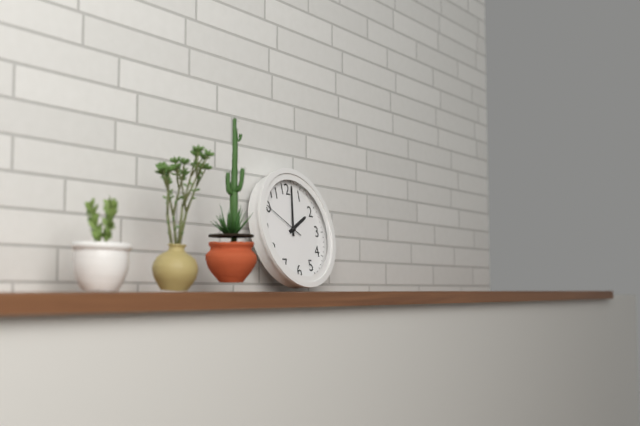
2:02:50
